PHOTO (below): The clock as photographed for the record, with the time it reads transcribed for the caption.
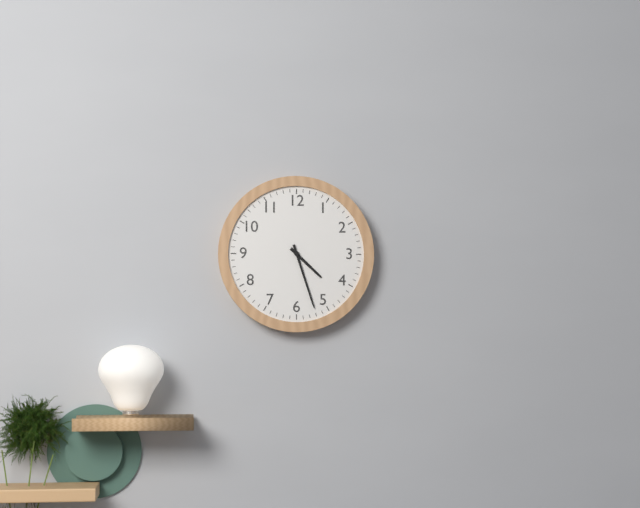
4:27
